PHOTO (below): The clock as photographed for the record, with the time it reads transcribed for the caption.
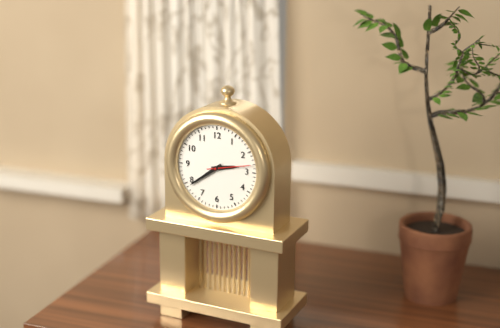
2:39
